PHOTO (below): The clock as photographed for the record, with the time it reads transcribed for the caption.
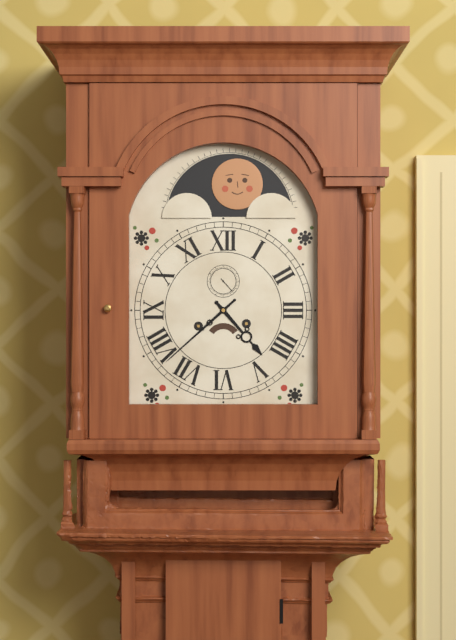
4:38
